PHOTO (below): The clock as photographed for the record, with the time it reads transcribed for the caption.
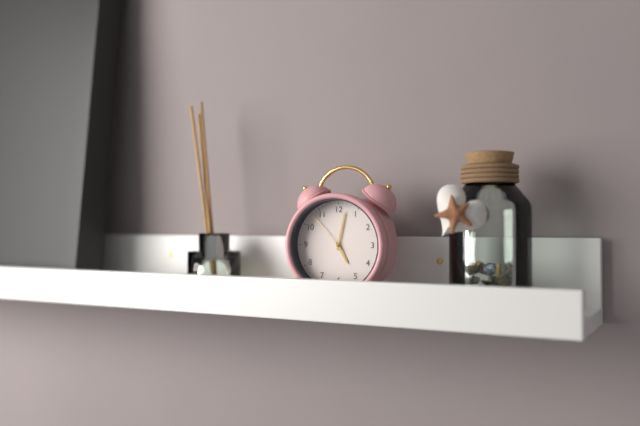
5:02
